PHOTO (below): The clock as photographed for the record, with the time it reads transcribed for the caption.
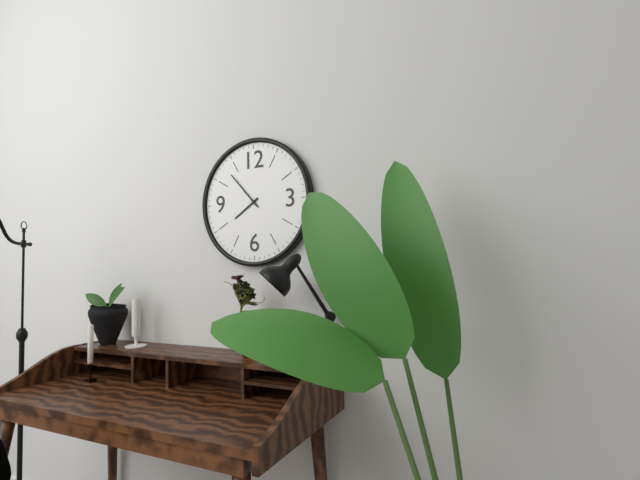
7:53
